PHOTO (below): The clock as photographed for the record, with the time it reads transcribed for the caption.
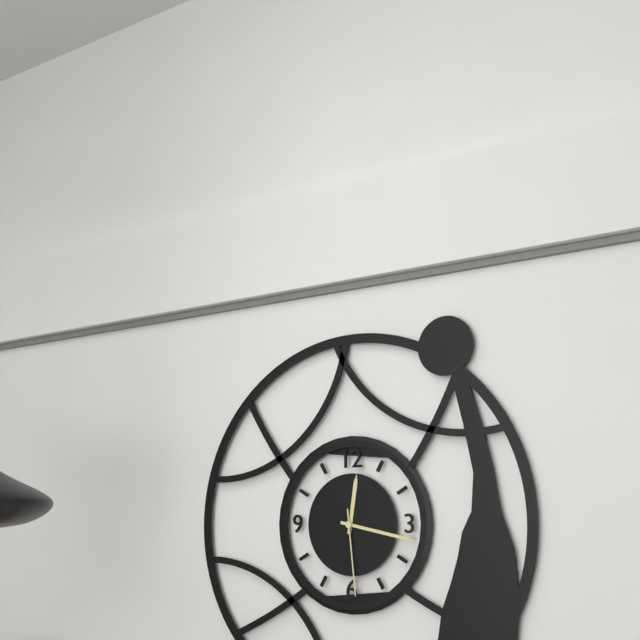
12:17:29
